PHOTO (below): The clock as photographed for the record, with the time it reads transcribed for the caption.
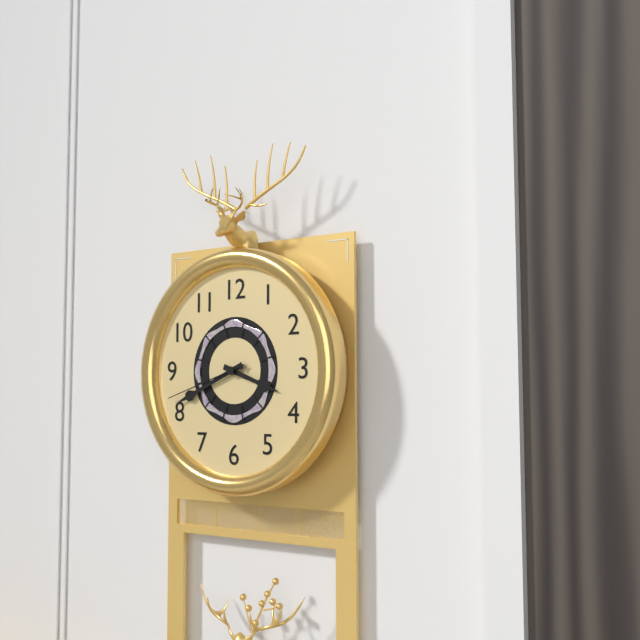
3:41:42
